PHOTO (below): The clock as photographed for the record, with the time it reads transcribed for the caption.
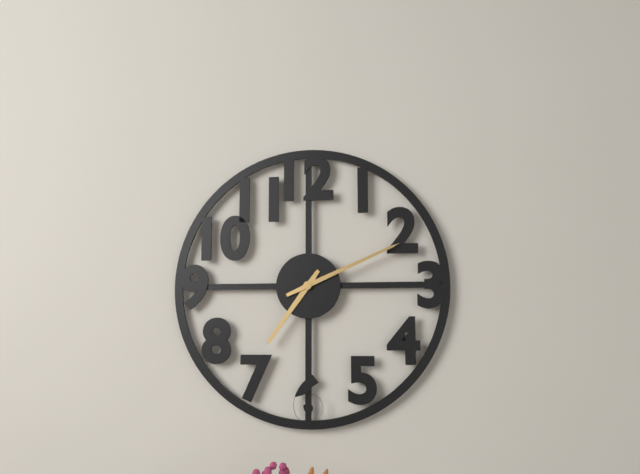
7:11
